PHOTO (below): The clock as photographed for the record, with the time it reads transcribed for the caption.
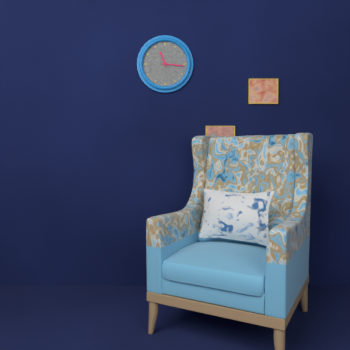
11:16
